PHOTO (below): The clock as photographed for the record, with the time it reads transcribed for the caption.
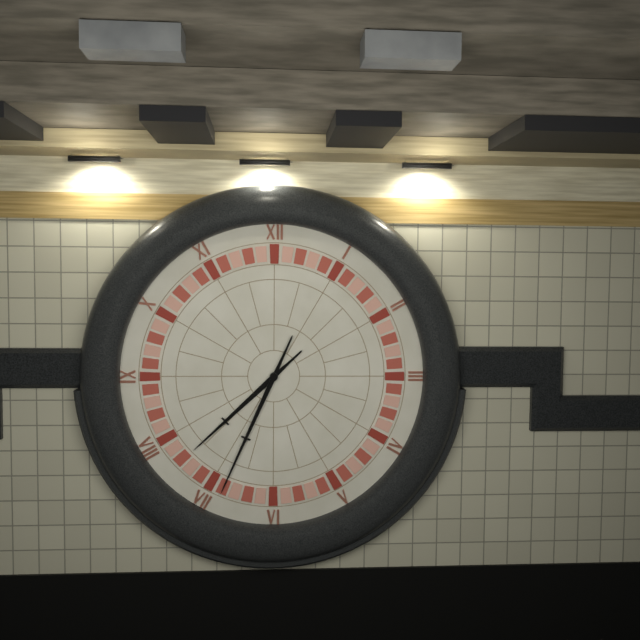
7:34
